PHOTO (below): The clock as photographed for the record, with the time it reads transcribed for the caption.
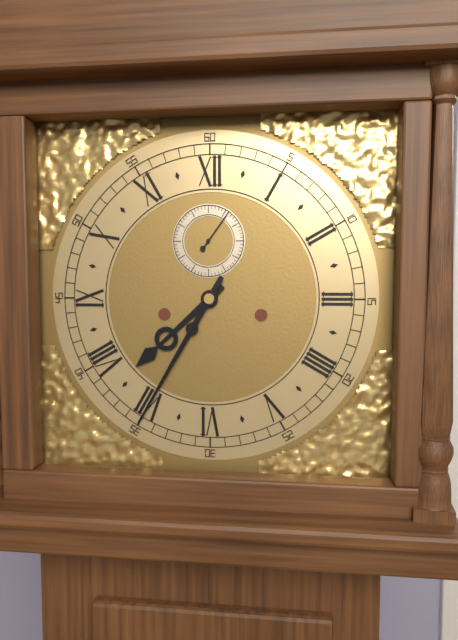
7:35
